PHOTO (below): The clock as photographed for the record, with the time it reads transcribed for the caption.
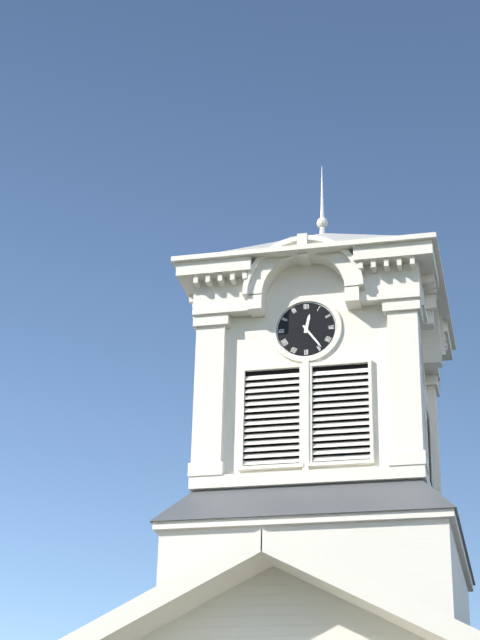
12:24
